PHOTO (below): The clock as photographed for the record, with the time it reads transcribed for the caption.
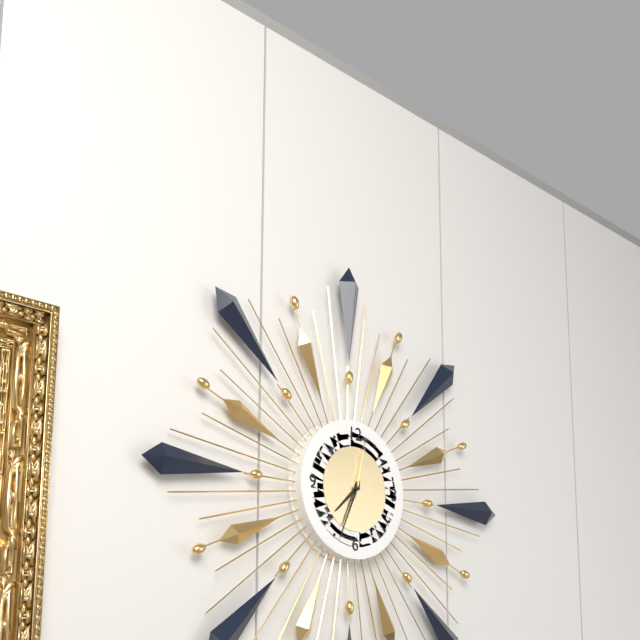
7:34:02
